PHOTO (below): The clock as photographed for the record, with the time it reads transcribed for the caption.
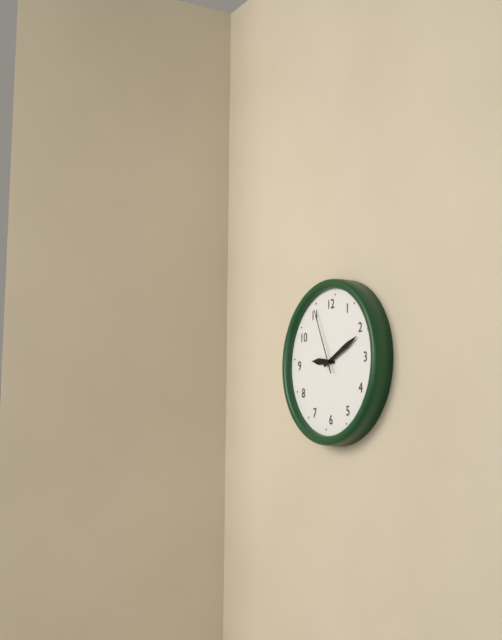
9:11:56
